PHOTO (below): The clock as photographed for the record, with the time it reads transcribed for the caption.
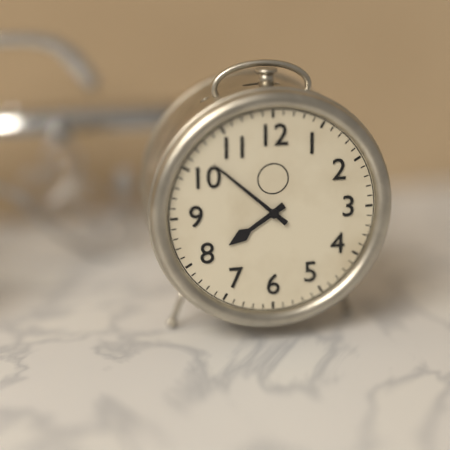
7:52
